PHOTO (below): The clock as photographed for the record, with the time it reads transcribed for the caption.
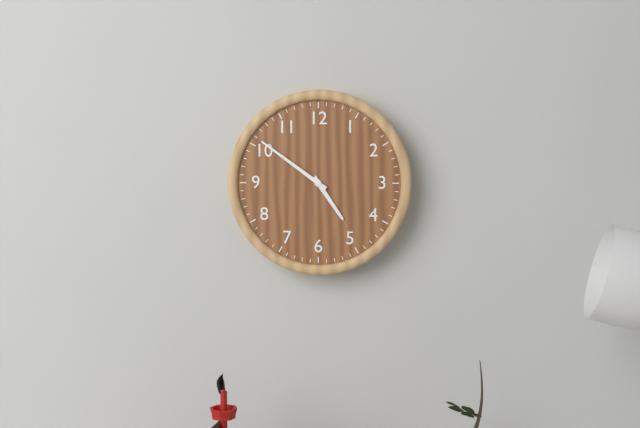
4:51
